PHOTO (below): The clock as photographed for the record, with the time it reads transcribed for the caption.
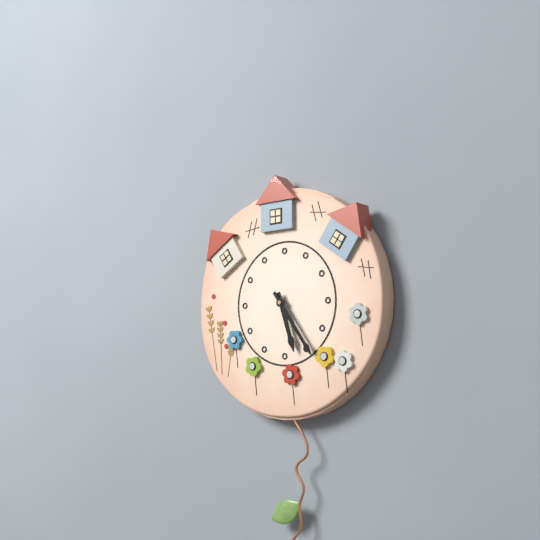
5:24
